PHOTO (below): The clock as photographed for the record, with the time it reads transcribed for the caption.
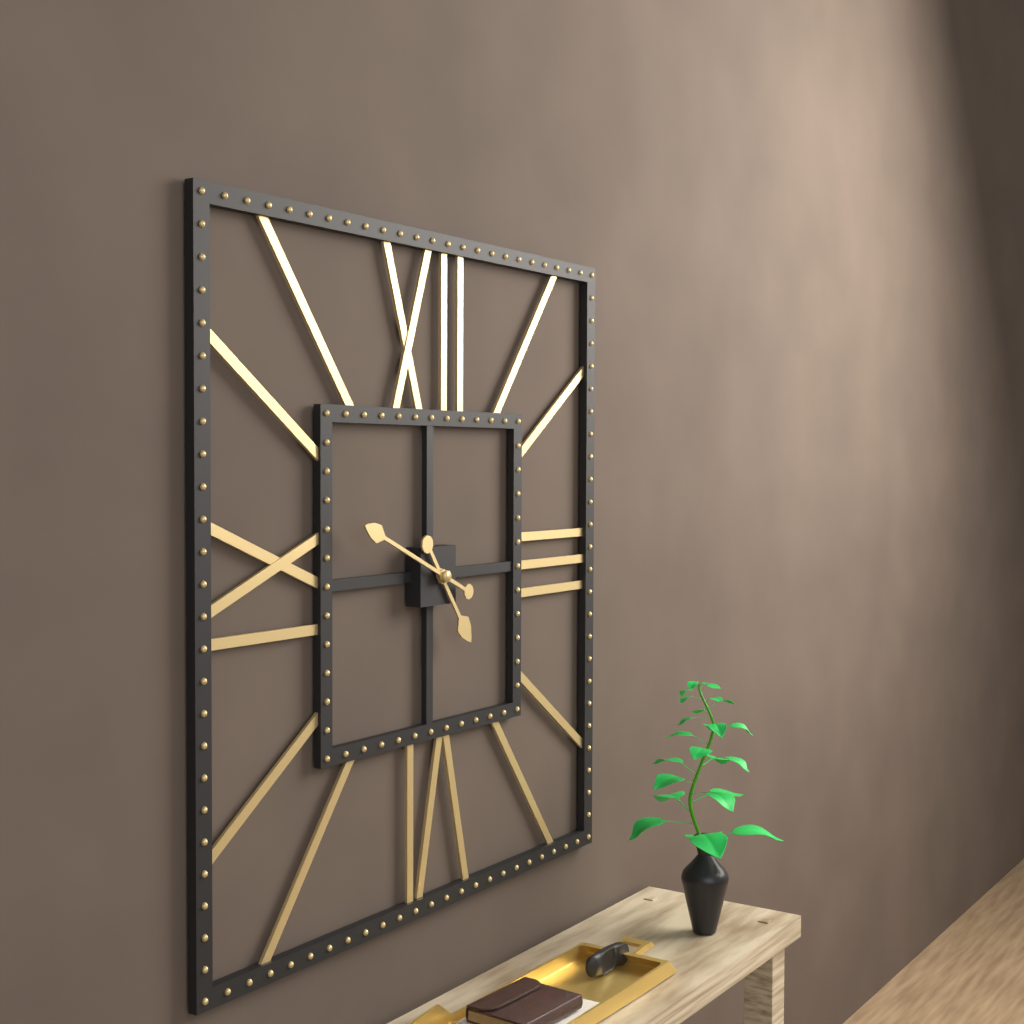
4:49
